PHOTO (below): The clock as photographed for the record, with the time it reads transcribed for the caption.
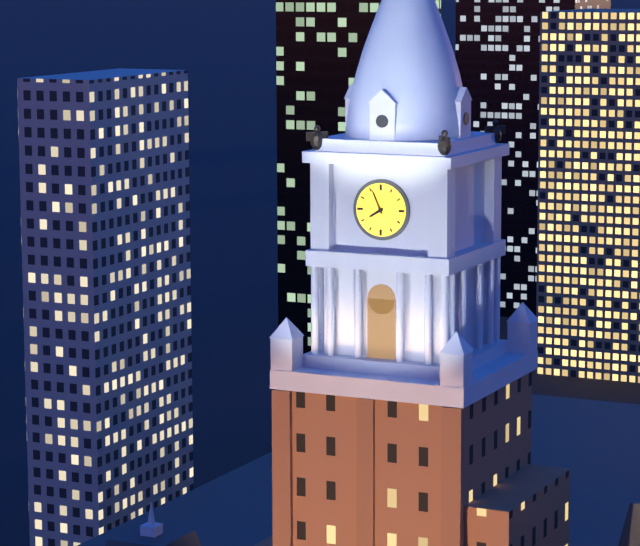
7:56
